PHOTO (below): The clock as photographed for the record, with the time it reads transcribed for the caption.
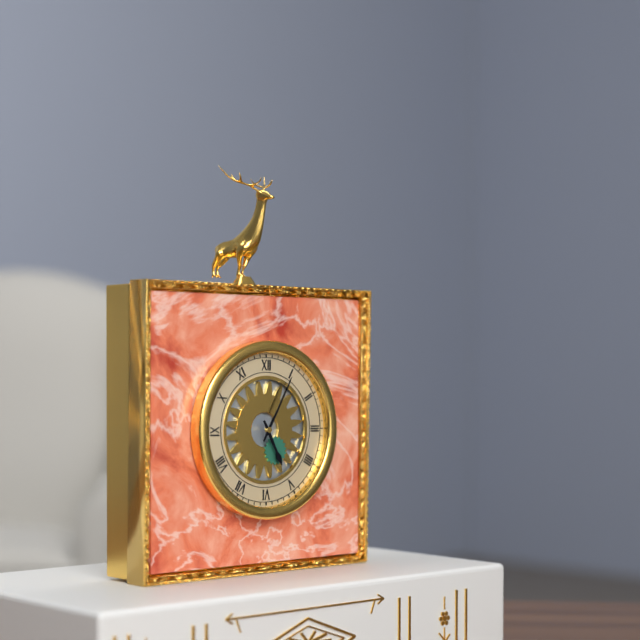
5:05
